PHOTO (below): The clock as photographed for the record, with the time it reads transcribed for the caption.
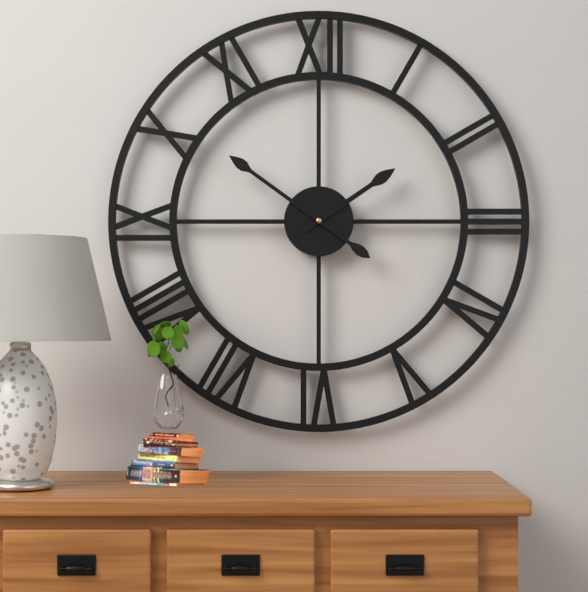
1:51
